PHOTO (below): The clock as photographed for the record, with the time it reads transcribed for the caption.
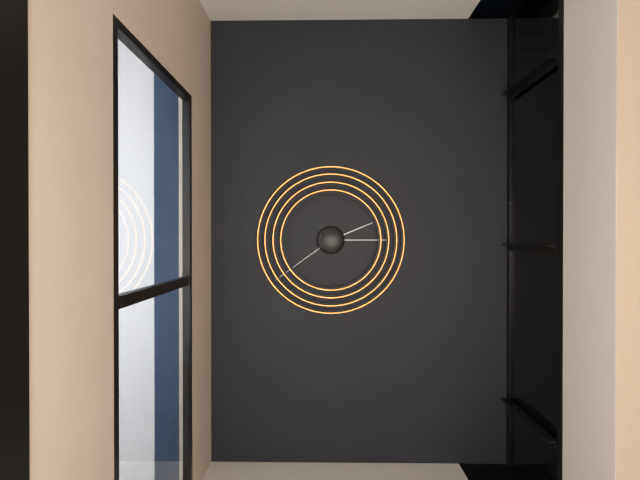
2:15:39
